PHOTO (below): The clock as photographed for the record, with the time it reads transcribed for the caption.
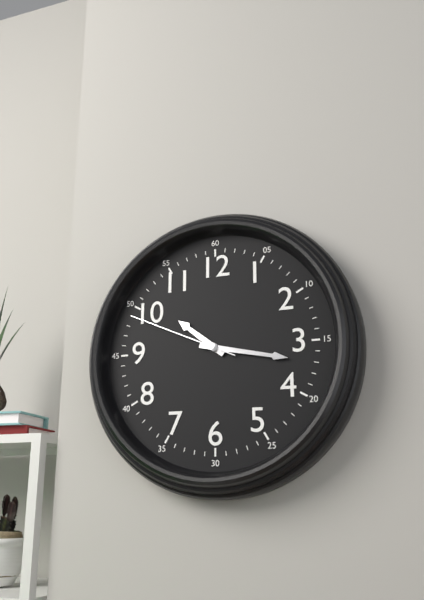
10:17:49
